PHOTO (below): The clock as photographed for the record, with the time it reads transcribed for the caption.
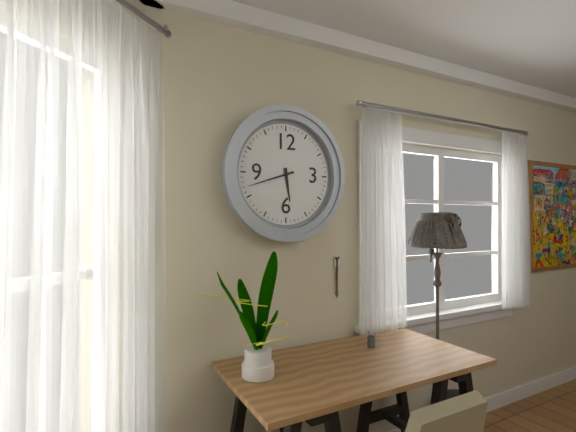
5:42
